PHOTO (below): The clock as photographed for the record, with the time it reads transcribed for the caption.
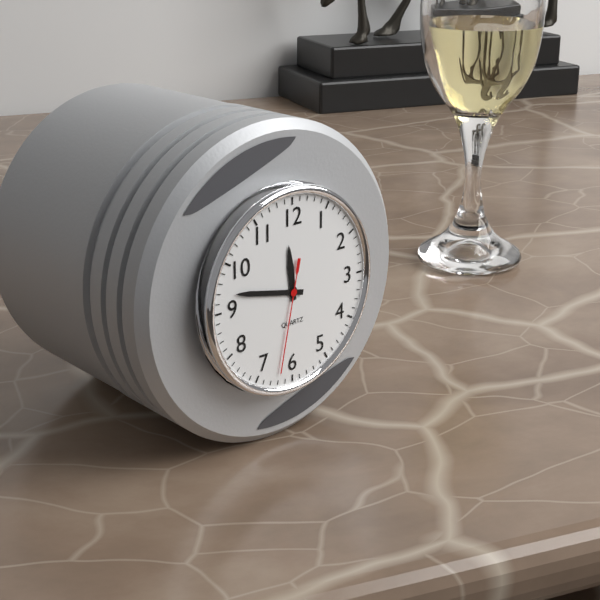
11:47:32
